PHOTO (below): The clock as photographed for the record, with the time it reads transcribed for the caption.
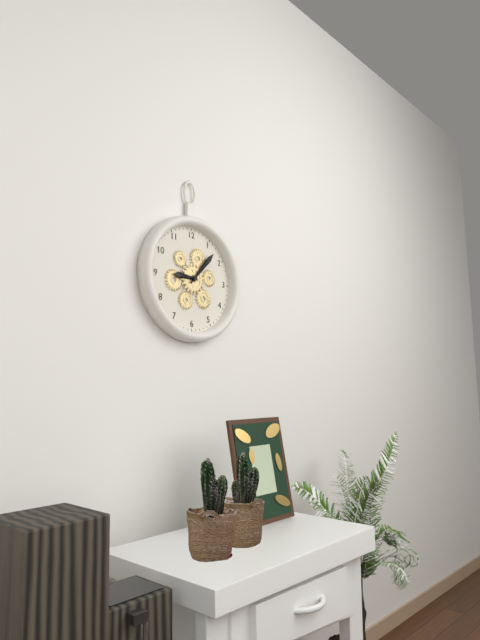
9:07
